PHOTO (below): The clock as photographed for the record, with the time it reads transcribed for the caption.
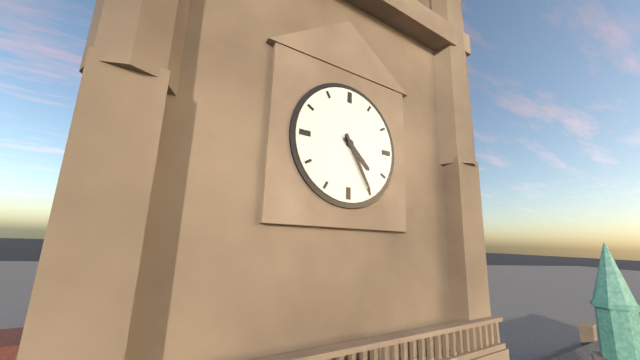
4:25
